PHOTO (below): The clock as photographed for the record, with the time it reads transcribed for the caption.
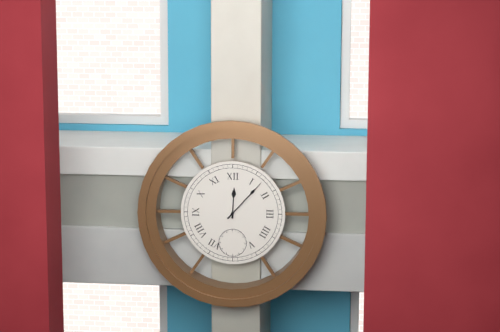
12:07
